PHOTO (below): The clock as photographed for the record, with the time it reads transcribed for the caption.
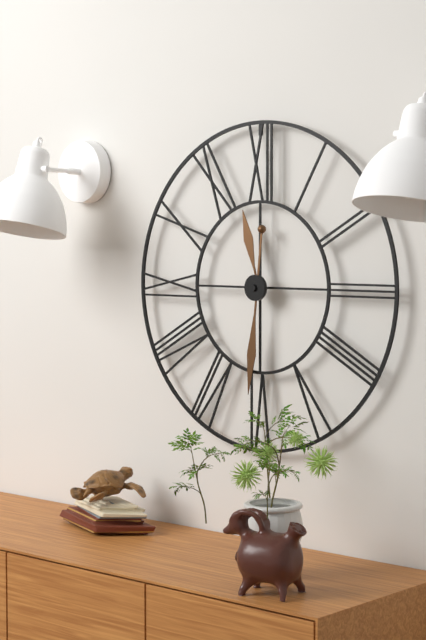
11:31
